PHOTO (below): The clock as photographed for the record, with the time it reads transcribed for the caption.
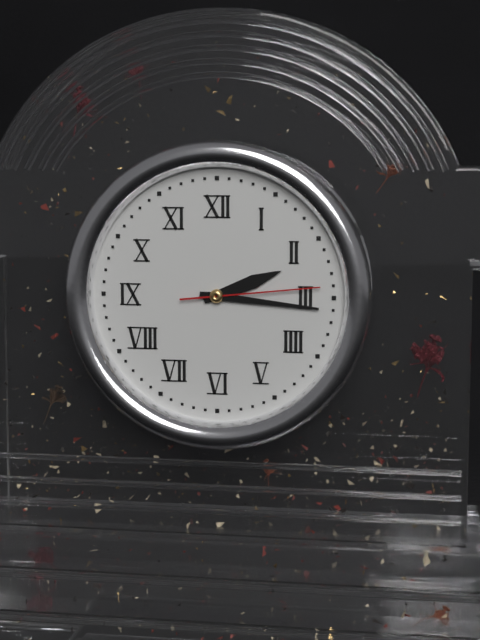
2:16:14
